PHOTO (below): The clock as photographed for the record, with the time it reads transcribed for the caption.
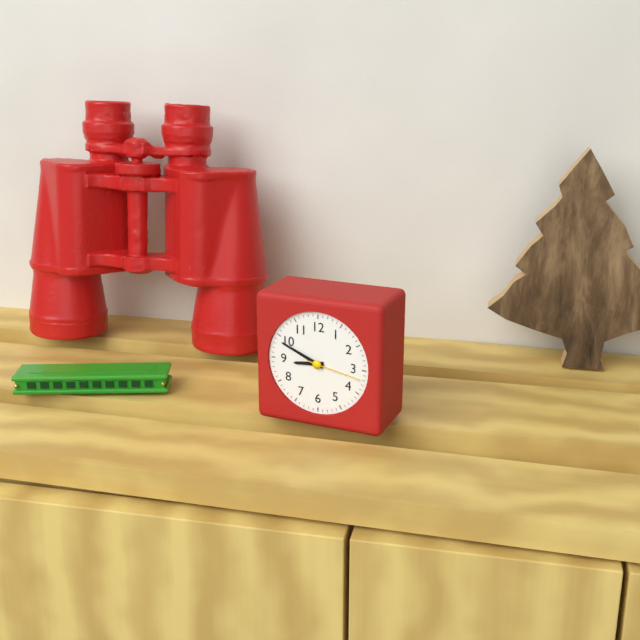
8:49:17
